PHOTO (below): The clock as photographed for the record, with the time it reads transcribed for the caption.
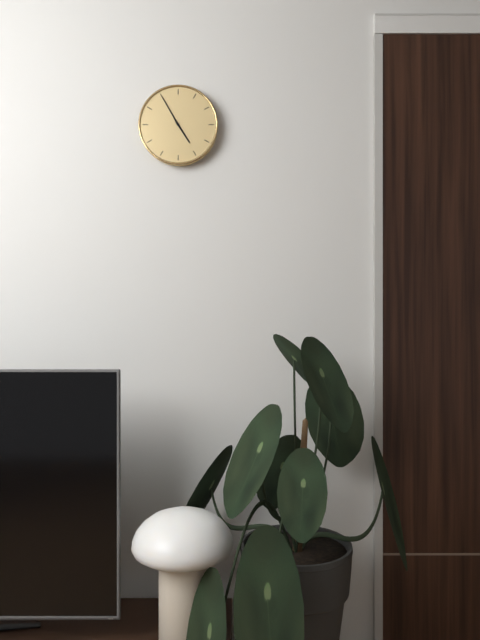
4:55
